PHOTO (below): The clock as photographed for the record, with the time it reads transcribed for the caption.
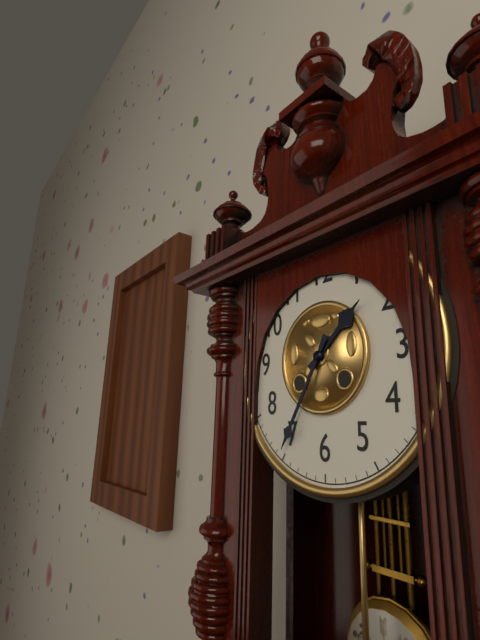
1:35
